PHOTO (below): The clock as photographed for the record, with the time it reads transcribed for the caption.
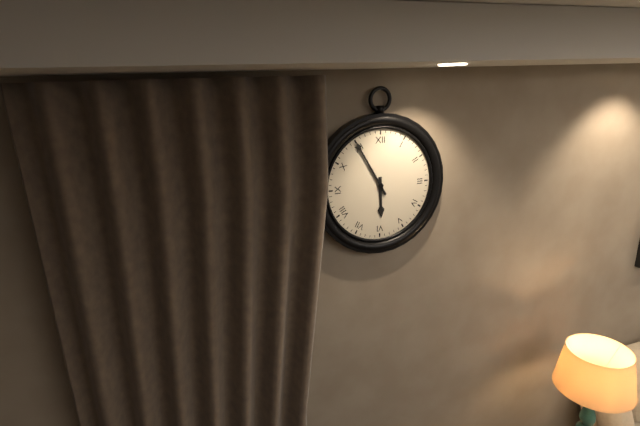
5:55
